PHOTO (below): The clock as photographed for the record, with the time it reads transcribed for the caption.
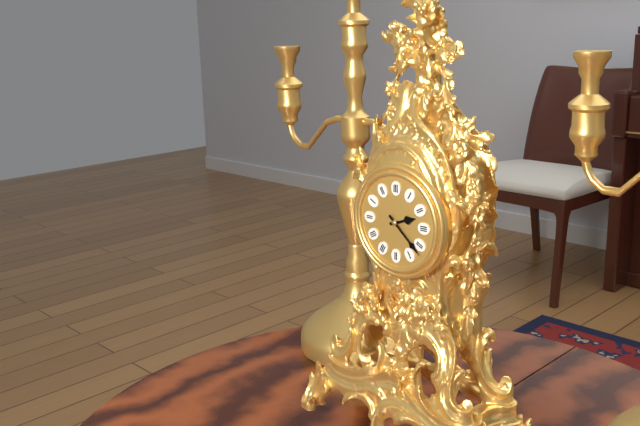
2:22
